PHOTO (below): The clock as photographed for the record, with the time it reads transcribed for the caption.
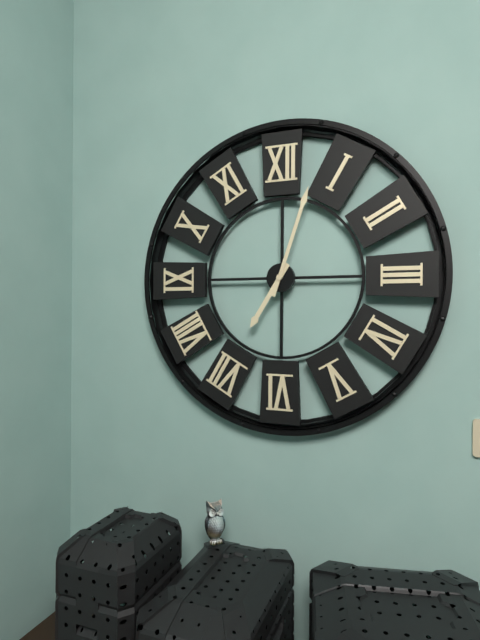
7:03
